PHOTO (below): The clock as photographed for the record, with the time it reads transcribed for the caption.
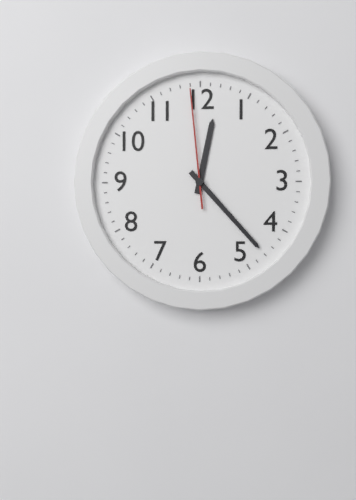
12:23:59
